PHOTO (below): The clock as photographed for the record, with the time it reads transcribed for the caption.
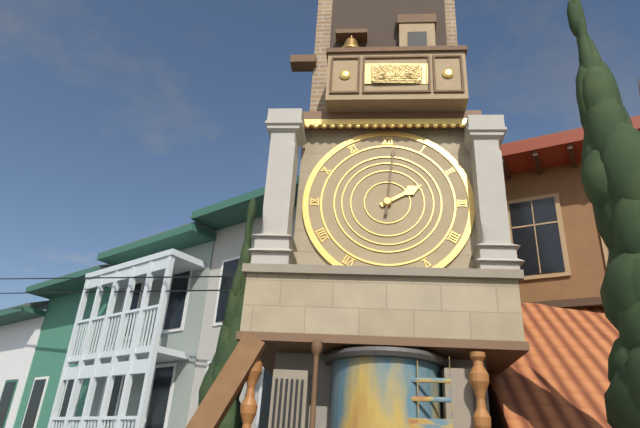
2:01
